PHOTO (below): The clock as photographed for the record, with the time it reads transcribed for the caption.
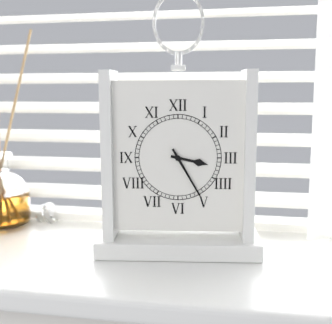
3:25
